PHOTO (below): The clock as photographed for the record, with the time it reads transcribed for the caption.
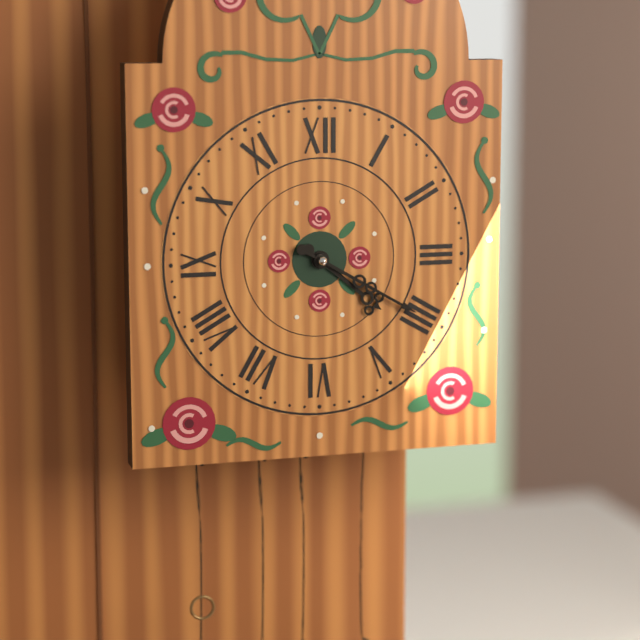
4:20
